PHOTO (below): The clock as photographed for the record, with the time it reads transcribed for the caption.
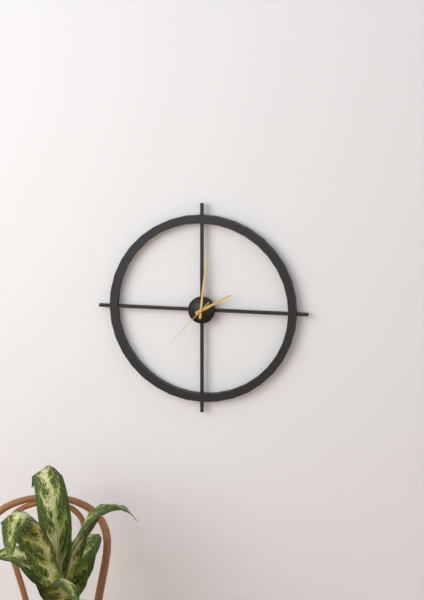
2:01:37
